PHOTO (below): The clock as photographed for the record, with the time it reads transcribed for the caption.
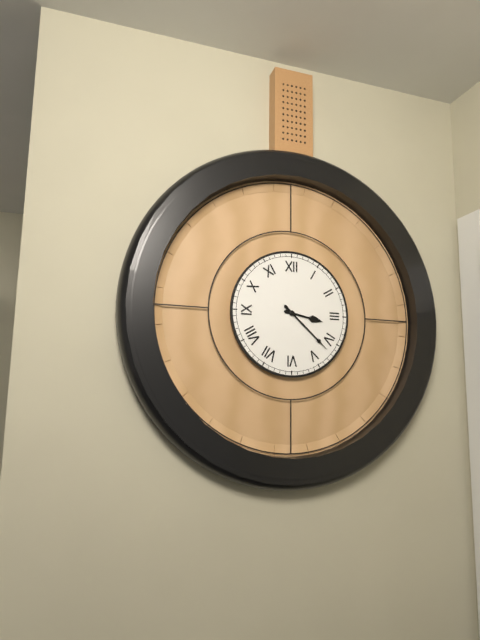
3:22
